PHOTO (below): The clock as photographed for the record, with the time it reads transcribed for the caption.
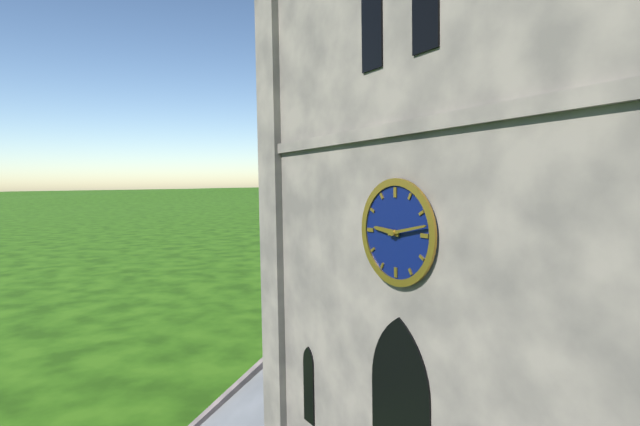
9:13
